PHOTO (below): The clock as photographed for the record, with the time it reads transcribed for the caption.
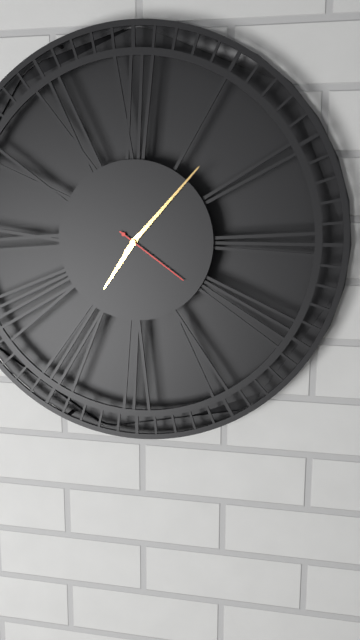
7:07:21
